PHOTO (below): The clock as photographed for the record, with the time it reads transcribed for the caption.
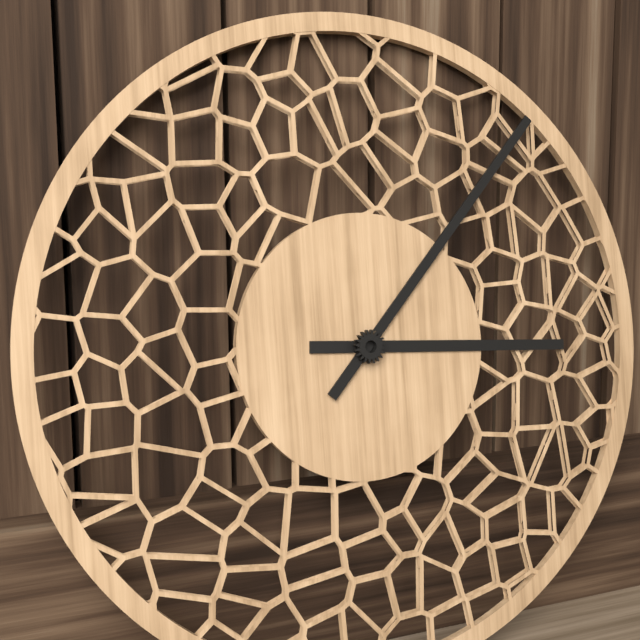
3:07
